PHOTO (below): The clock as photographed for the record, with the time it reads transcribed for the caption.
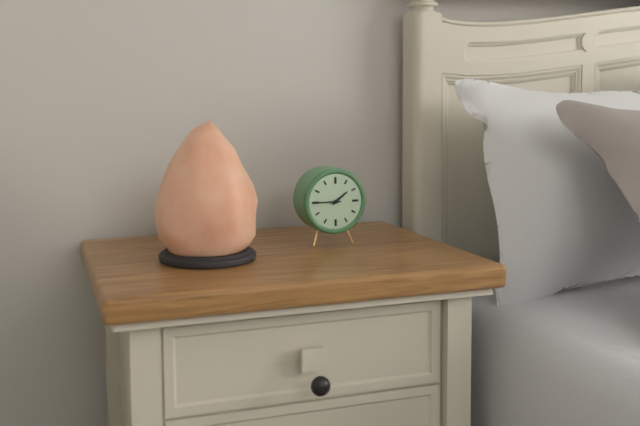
1:45
